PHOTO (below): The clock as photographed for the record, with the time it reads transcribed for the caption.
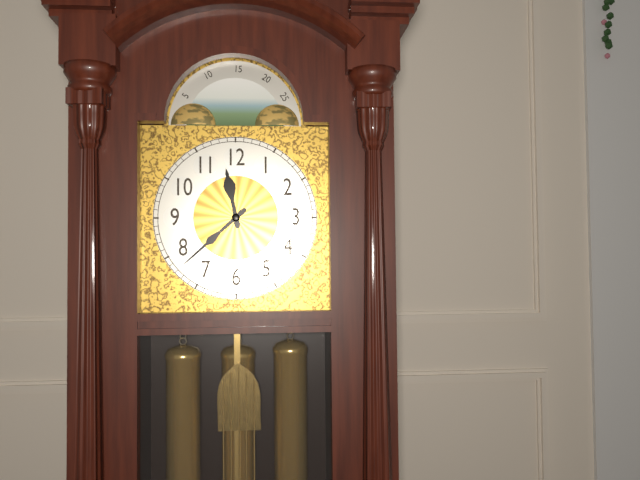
11:38
